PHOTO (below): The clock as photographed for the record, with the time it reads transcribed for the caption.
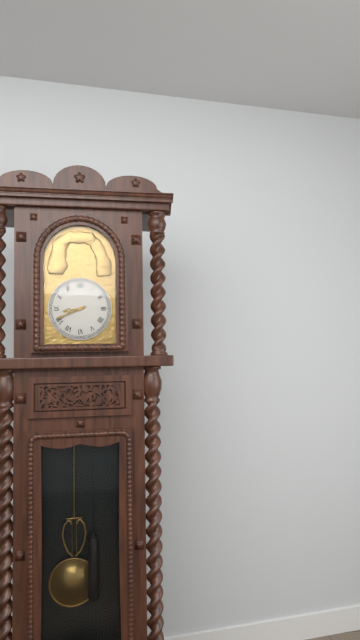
8:41
